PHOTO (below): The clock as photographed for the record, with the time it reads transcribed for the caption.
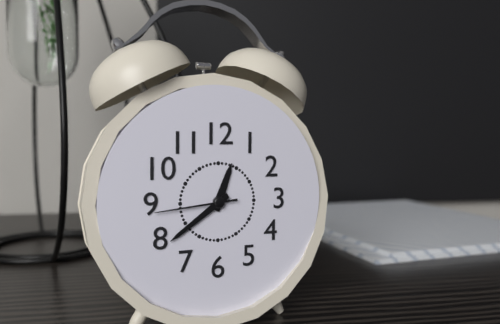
12:39:44
